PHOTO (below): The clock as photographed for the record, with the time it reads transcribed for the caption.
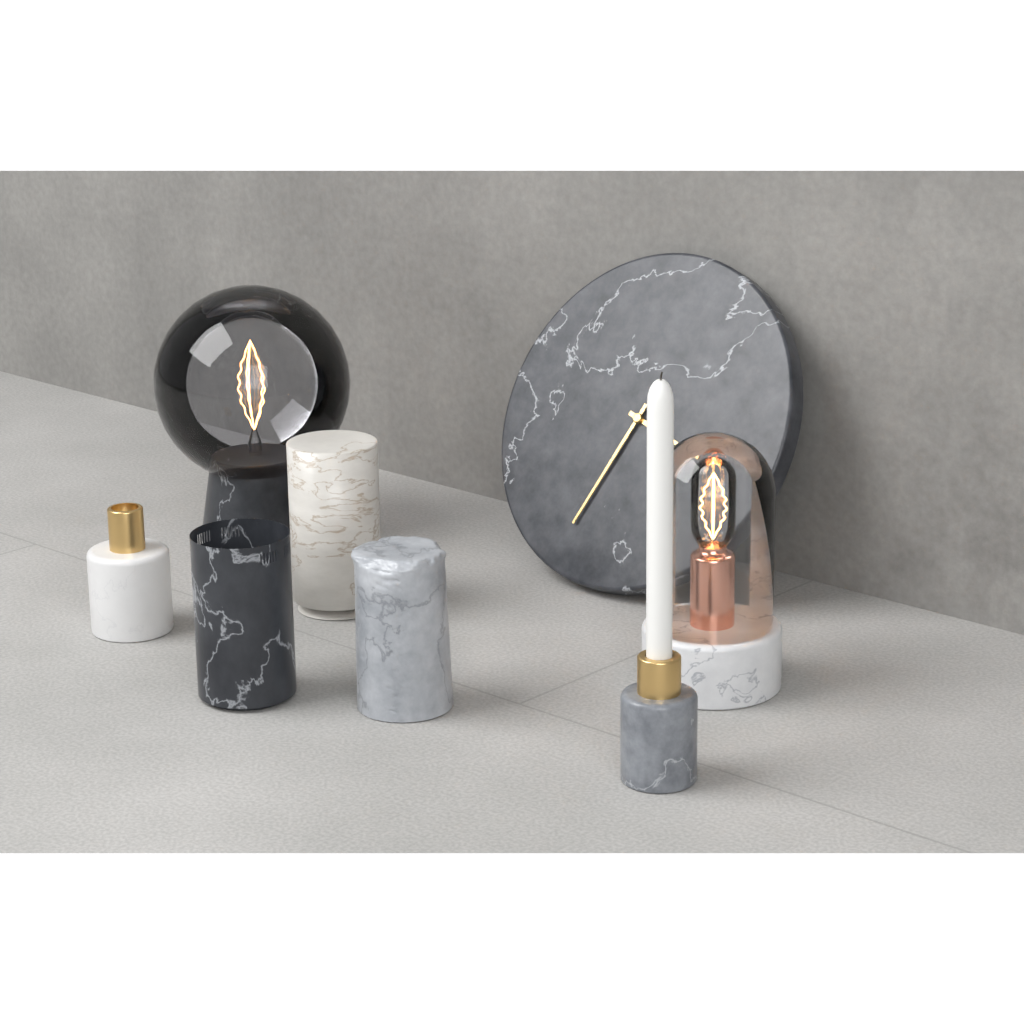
3:33
